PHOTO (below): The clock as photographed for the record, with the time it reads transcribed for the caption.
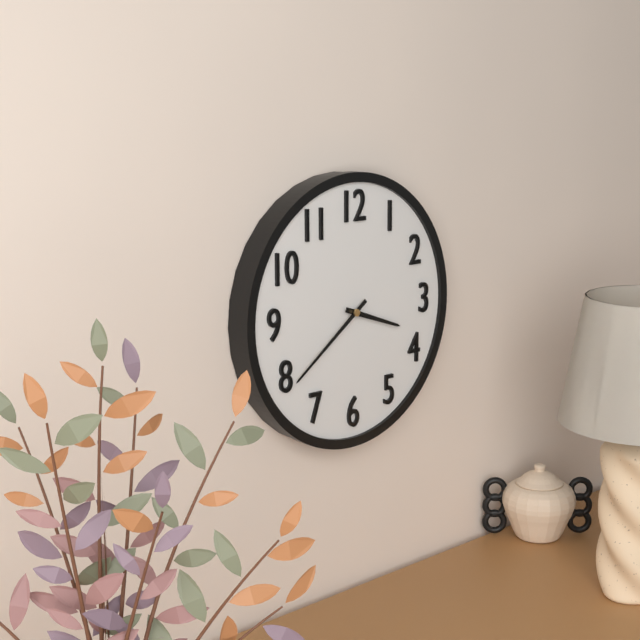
3:39
